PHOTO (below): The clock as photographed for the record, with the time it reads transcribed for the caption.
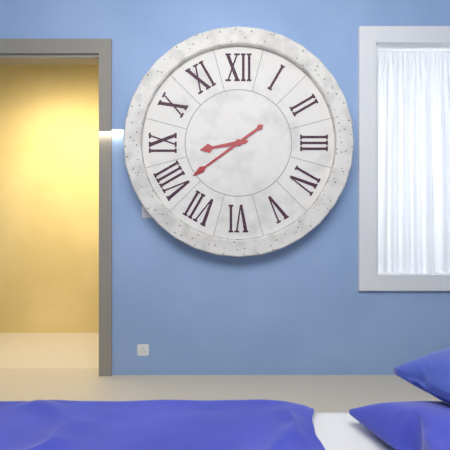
8:39
